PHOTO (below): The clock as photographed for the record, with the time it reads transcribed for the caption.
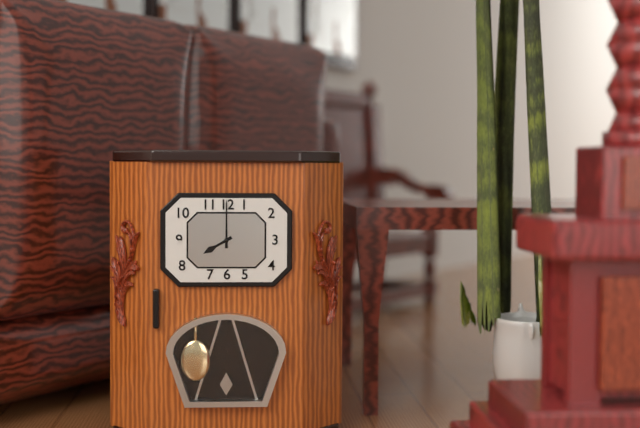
8:00
